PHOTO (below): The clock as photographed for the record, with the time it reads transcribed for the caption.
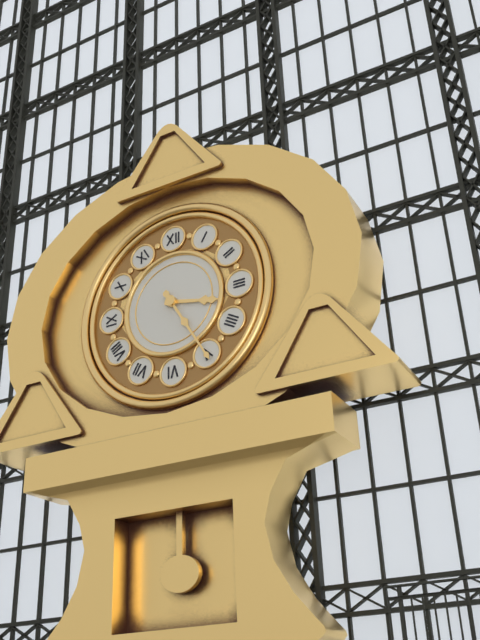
3:25
